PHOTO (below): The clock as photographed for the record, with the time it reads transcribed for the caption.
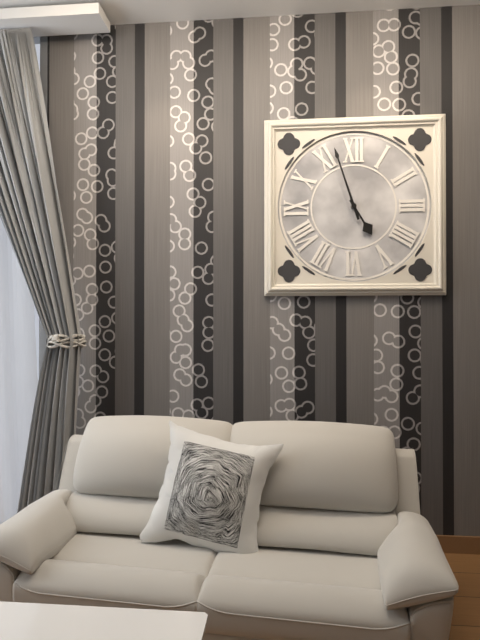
4:57
